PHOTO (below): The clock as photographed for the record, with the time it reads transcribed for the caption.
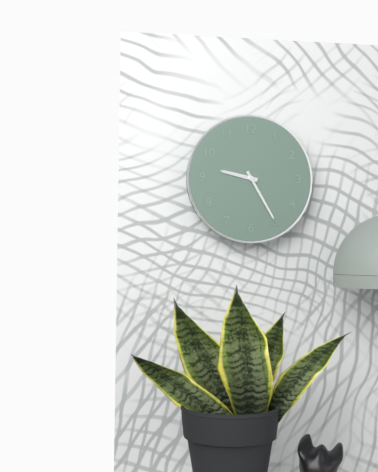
9:25
